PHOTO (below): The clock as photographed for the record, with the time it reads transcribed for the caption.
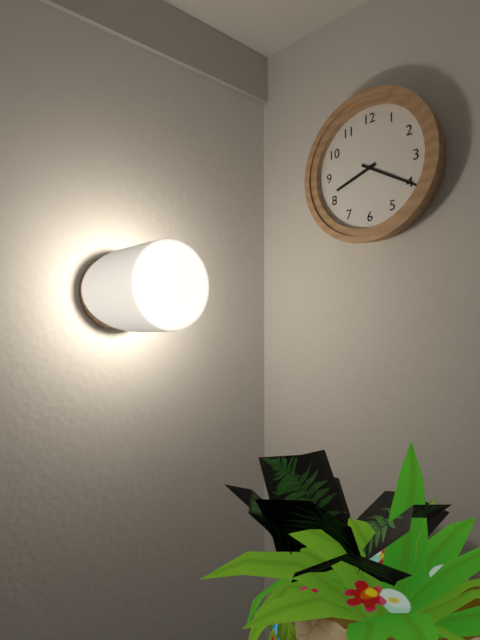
8:20
